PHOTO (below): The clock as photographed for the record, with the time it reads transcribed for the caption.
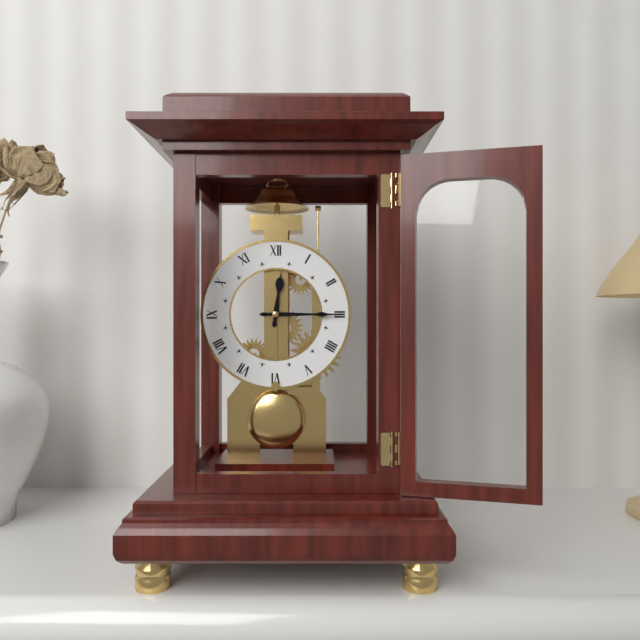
12:15
